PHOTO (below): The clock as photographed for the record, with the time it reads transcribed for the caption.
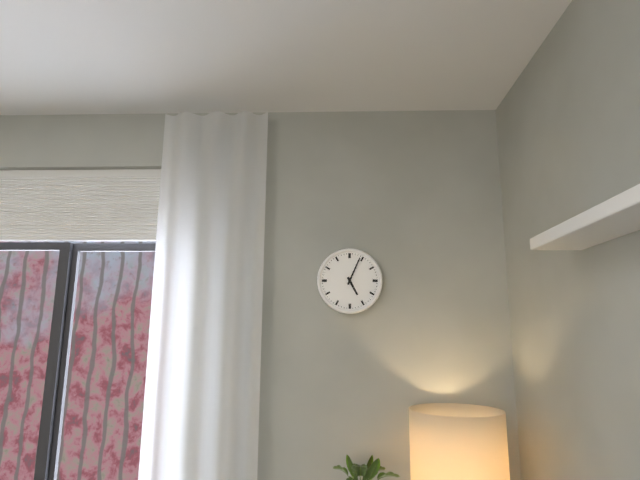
5:04
